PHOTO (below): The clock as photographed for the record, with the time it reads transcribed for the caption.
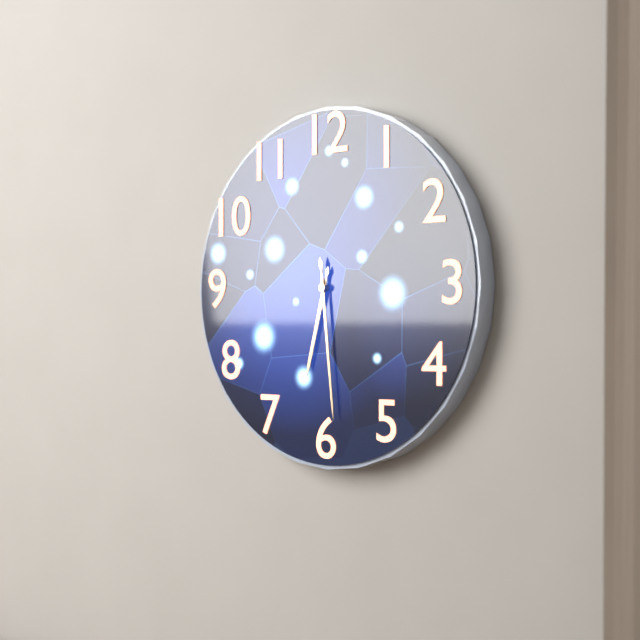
6:29
